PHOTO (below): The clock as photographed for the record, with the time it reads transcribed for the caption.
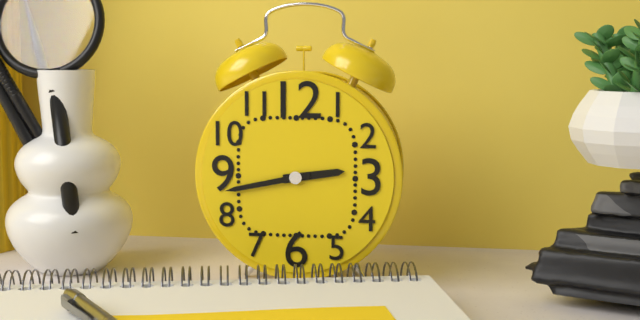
2:43
